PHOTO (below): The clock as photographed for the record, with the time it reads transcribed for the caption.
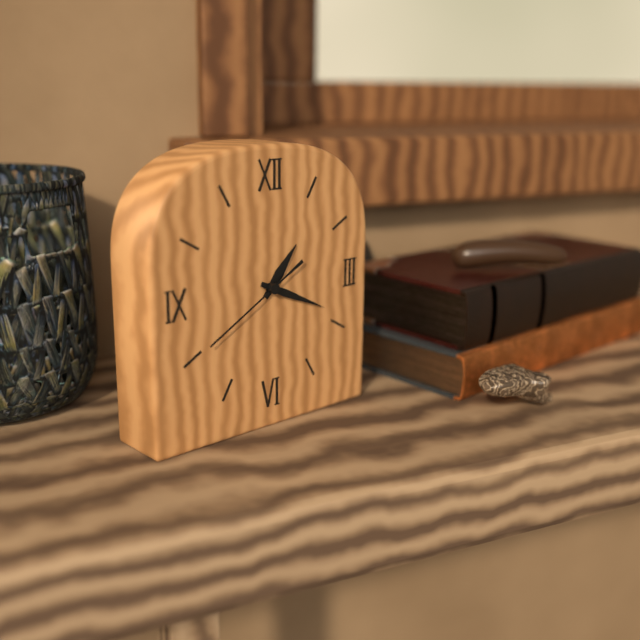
1:19:40
